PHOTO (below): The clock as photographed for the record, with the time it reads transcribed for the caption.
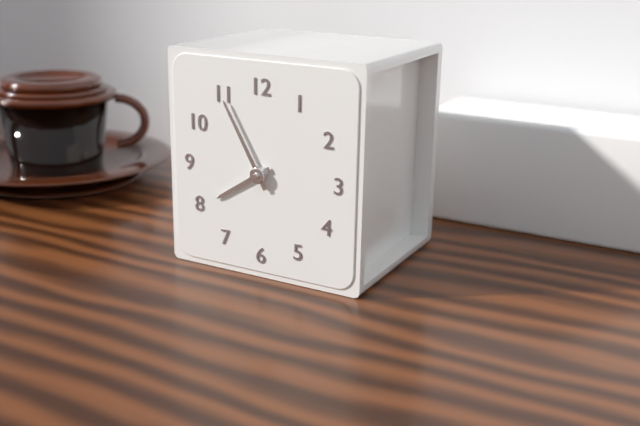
7:55
